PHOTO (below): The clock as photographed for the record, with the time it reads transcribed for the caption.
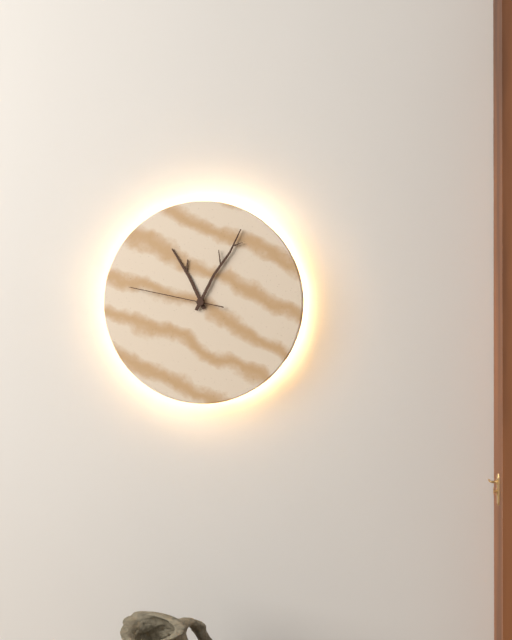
11:05:47
